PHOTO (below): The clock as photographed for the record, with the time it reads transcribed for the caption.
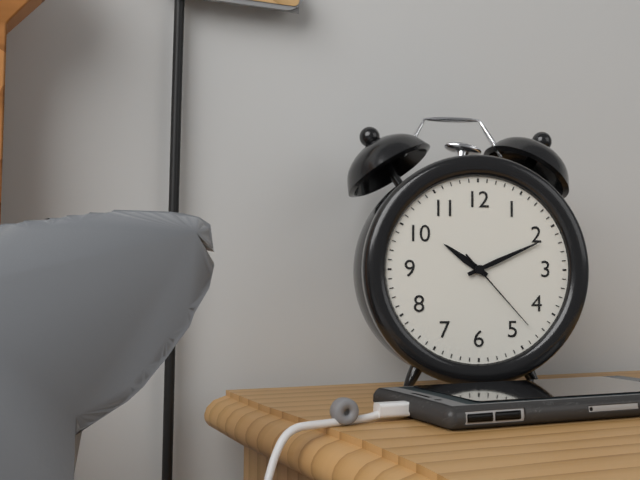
10:11:23
